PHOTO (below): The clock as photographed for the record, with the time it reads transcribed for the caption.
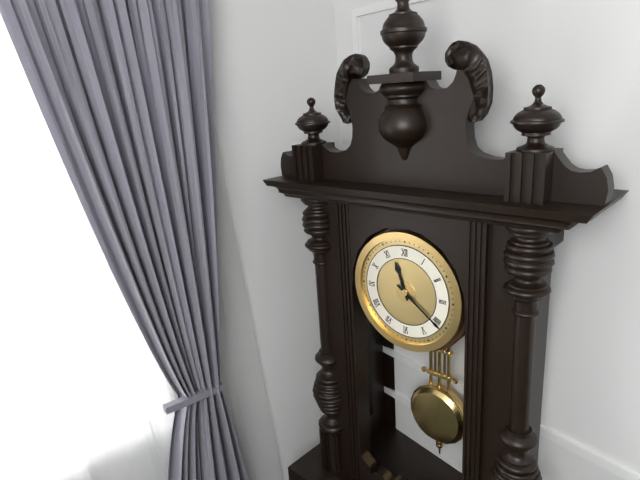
11:21
